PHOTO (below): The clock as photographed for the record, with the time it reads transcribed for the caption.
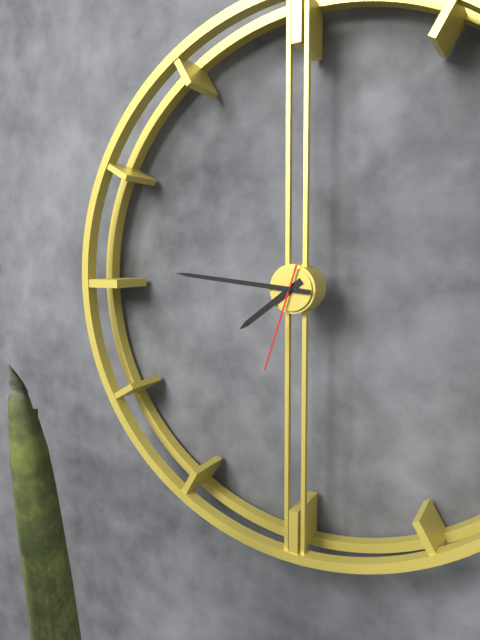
7:46:33
